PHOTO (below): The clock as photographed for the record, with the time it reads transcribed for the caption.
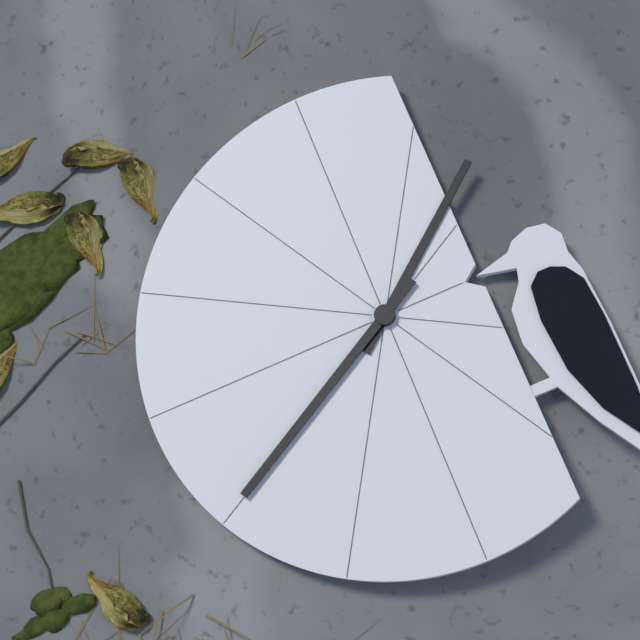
1:40
